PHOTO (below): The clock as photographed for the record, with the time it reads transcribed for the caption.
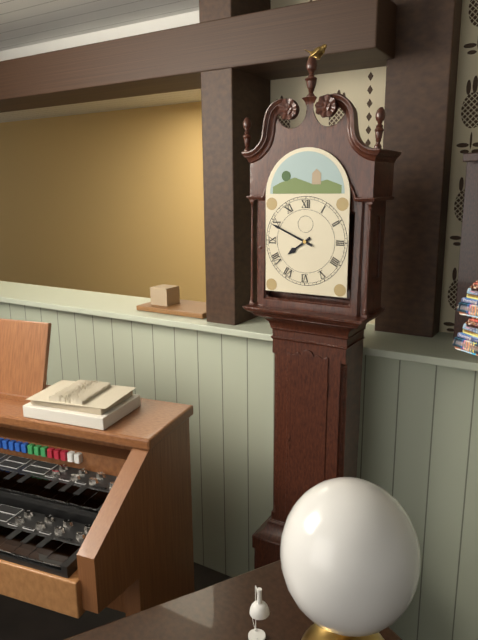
7:49
